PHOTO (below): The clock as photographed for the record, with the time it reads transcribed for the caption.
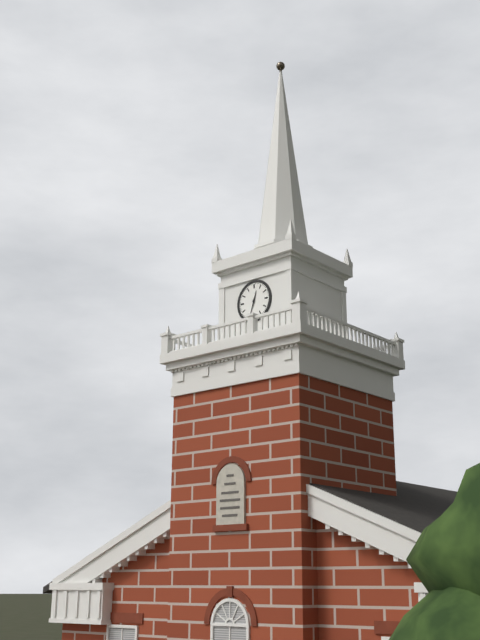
12:33
